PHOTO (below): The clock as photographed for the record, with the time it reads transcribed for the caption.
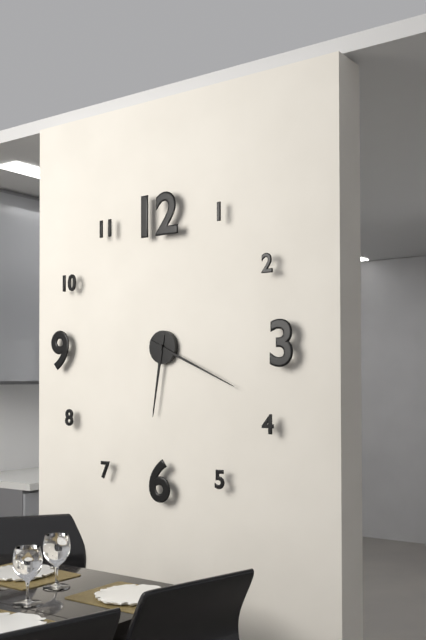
6:19
